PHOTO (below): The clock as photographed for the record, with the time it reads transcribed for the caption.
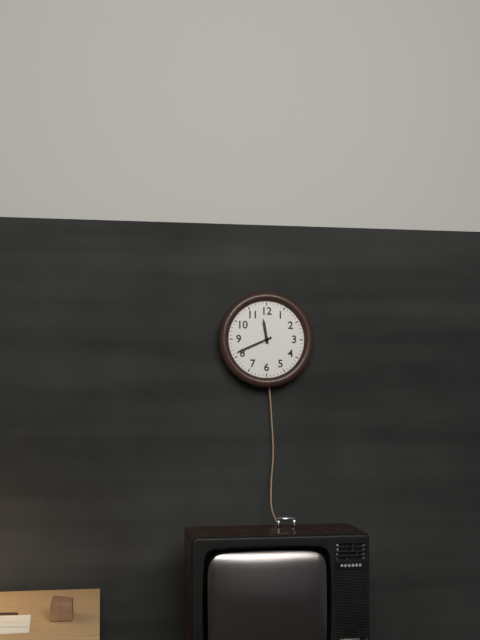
11:41
